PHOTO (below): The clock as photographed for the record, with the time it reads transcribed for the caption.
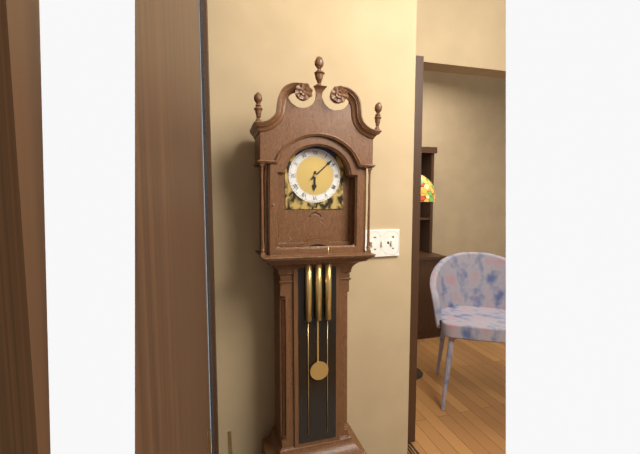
6:08
